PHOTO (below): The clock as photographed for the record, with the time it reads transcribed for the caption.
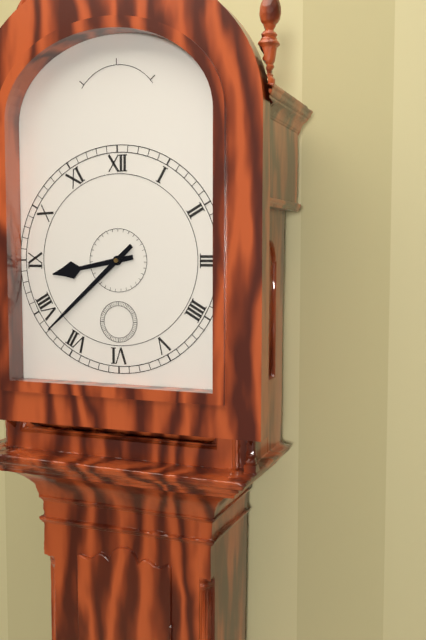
8:38
